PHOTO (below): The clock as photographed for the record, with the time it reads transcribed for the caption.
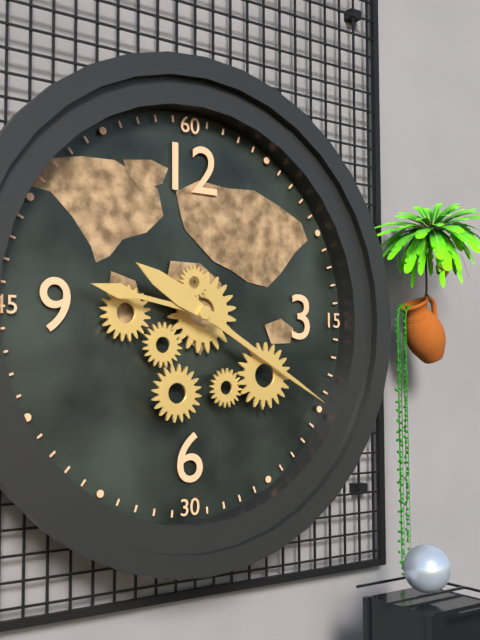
9:20
